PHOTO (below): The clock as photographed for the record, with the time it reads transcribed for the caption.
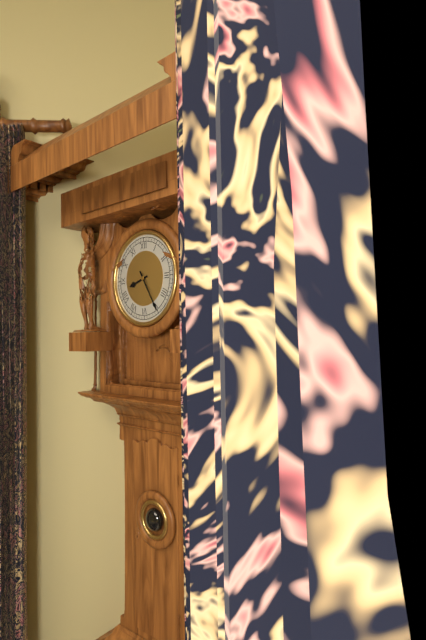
8:25
